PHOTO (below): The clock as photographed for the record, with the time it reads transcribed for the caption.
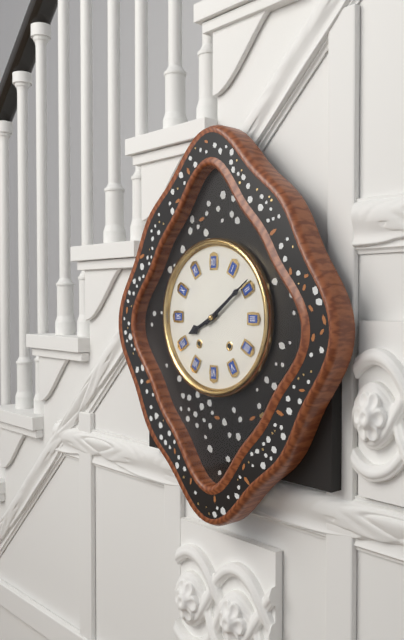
8:09
